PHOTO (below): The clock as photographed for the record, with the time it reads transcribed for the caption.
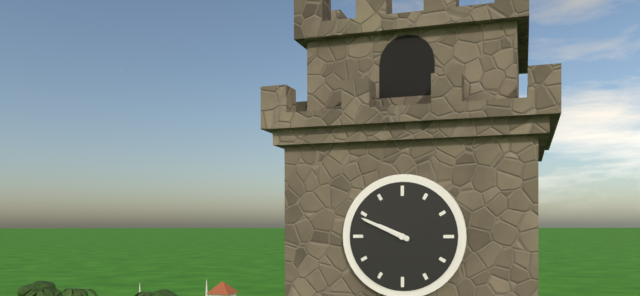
9:49
